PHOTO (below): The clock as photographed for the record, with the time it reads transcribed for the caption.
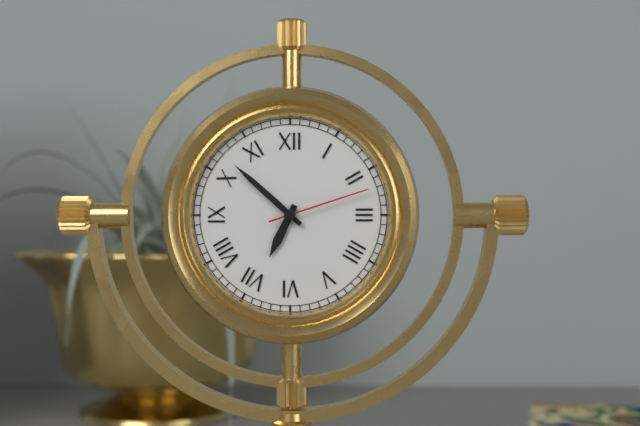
6:52:12
